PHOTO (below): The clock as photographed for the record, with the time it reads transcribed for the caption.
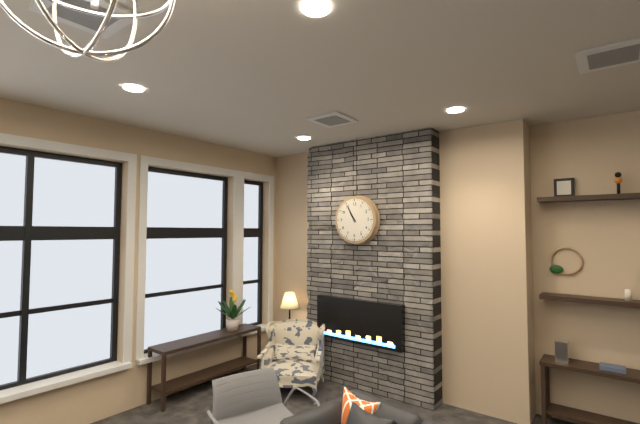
10:55
